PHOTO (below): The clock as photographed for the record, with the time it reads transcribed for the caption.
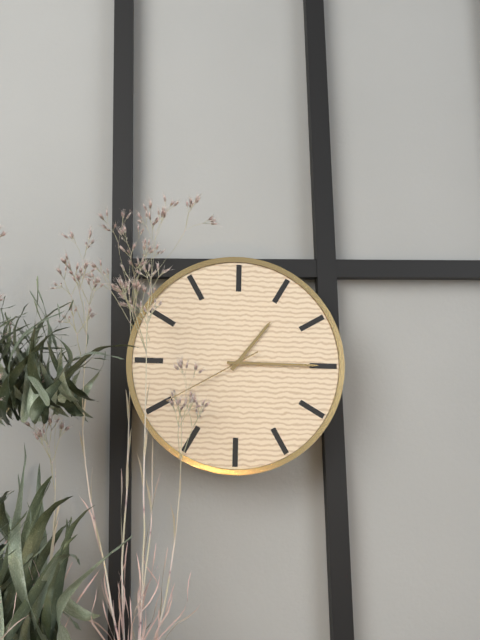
1:15:40
